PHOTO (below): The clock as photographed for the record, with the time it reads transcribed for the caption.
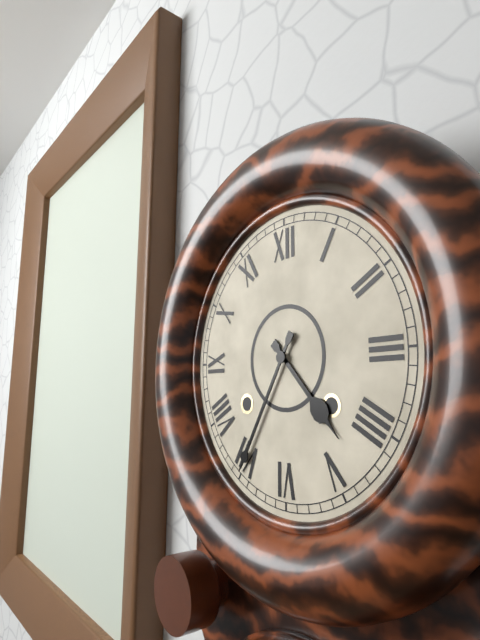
4:35
